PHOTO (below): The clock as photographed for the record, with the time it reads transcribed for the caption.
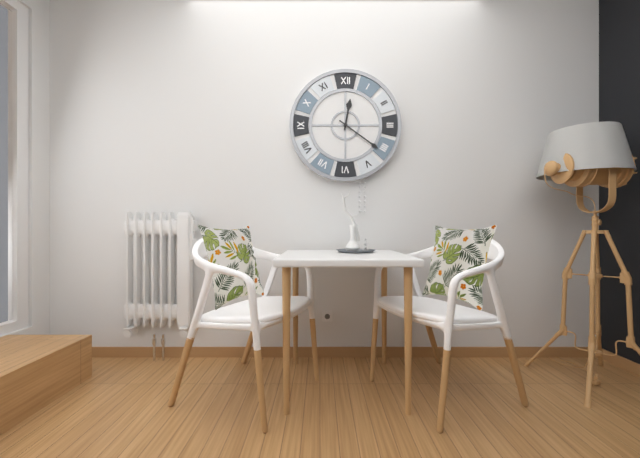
12:21
